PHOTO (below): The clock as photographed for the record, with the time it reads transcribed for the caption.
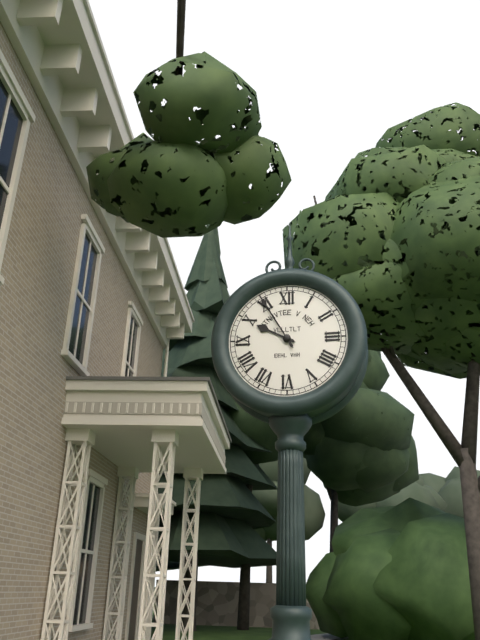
9:55
